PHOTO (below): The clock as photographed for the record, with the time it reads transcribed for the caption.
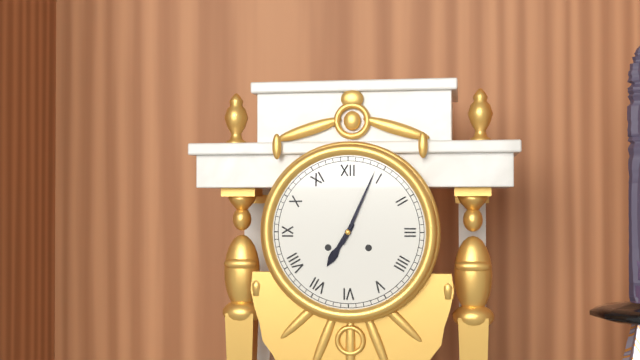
7:04
